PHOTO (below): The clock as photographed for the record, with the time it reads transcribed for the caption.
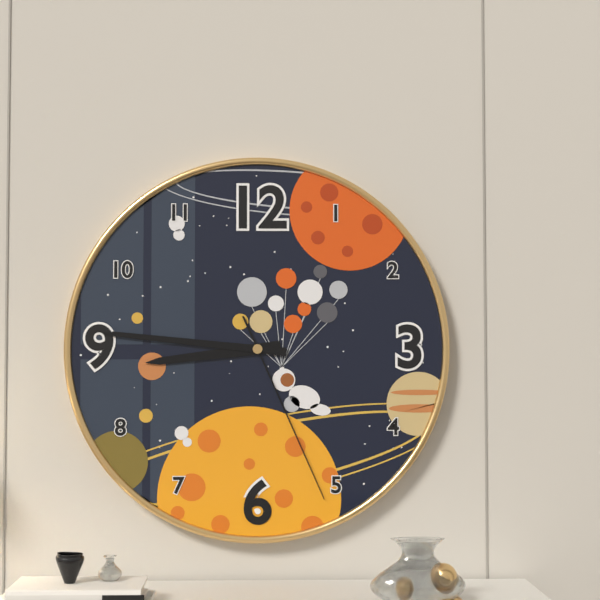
8:46:26
